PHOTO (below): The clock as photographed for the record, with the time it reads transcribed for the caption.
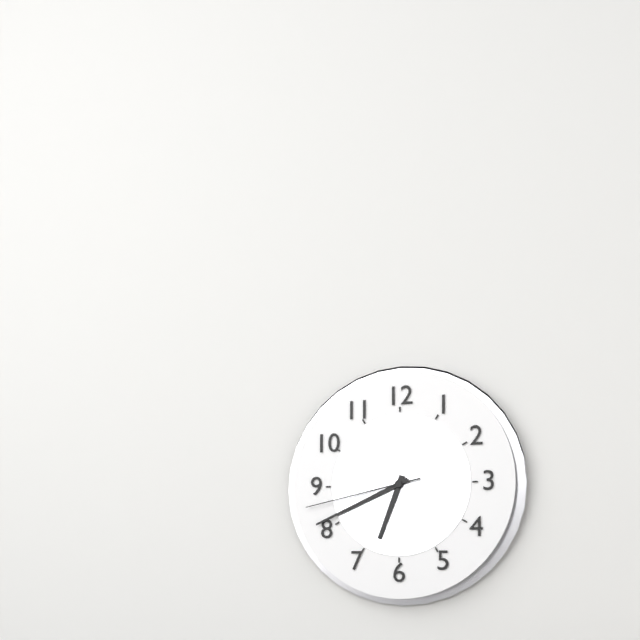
6:41:43
